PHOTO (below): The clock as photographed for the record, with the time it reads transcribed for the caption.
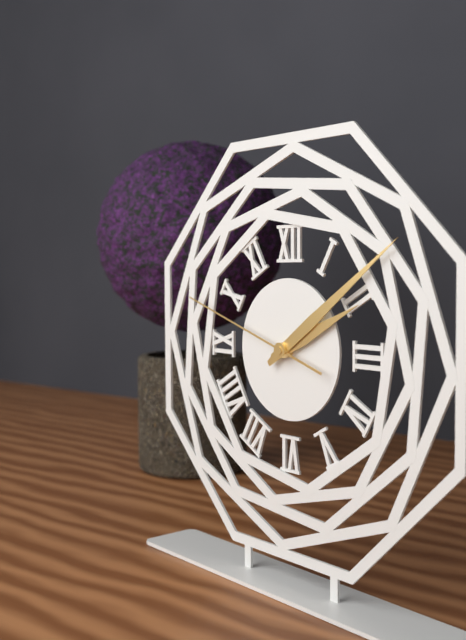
2:09:48
